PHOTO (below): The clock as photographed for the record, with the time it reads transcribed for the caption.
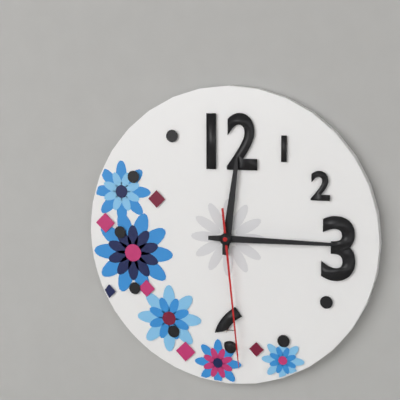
12:15:29
